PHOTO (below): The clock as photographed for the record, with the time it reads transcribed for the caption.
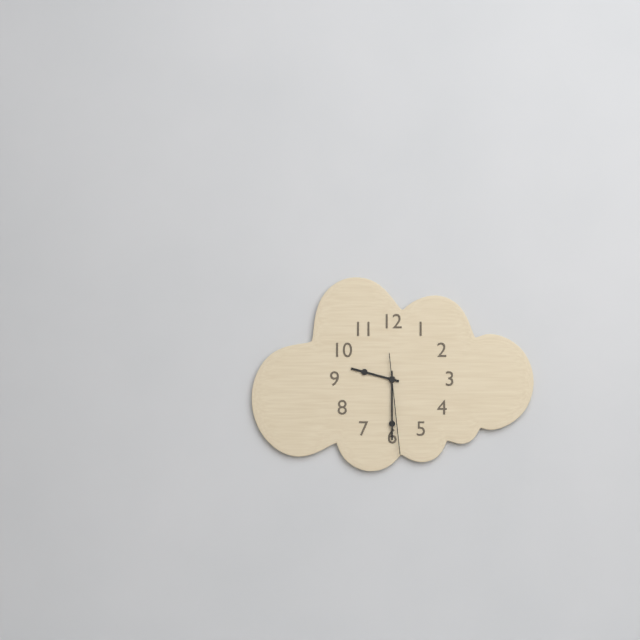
9:30:29
